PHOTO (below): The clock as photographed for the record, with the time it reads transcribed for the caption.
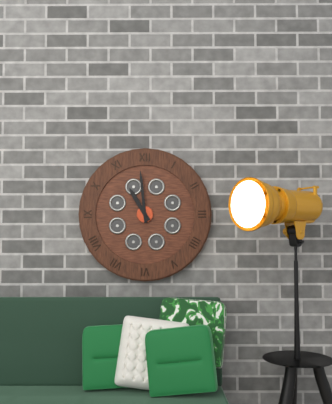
10:59
